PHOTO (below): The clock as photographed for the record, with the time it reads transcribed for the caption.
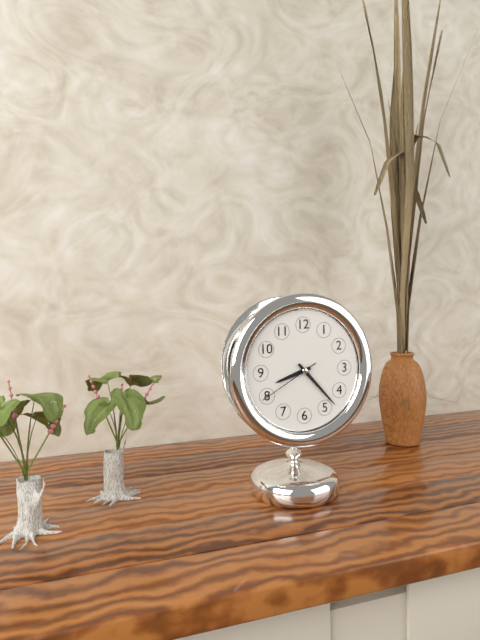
8:23:40
